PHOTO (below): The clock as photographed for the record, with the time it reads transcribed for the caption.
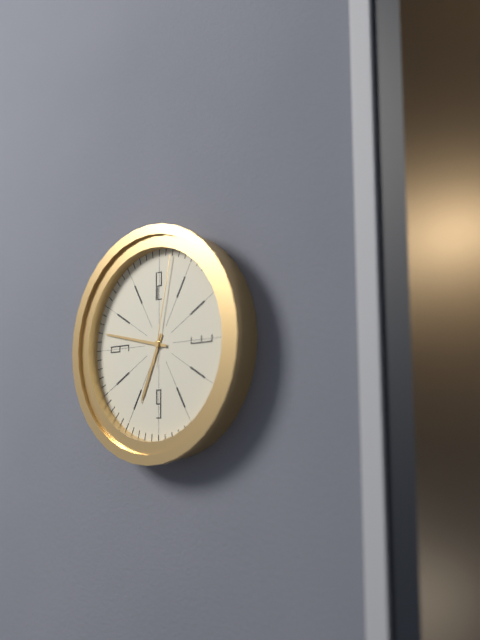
6:47:02
